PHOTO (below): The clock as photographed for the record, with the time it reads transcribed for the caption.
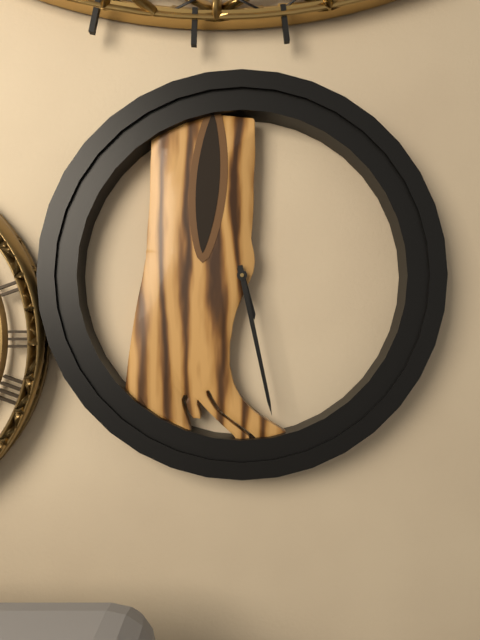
5:28
